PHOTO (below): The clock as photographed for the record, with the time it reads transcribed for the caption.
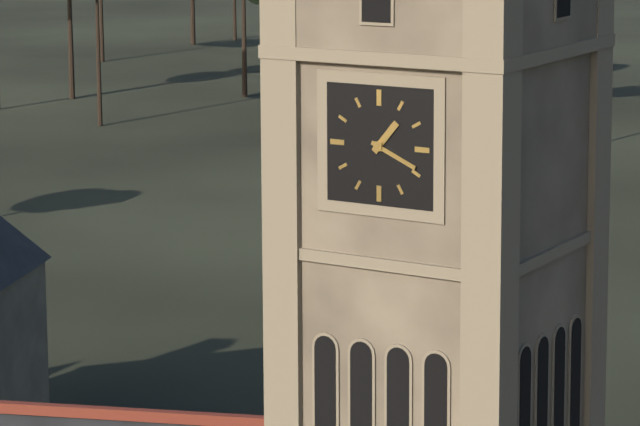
1:19
